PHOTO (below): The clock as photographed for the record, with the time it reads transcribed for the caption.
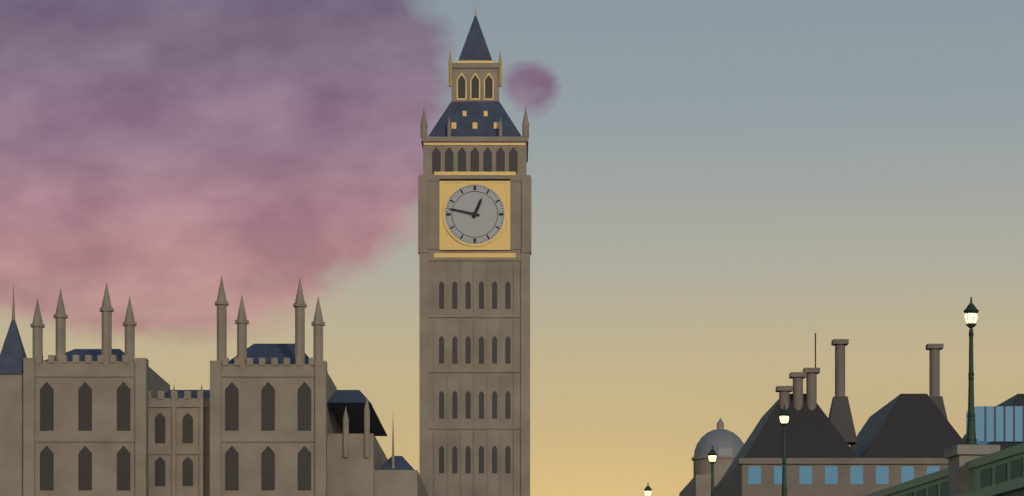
12:47
